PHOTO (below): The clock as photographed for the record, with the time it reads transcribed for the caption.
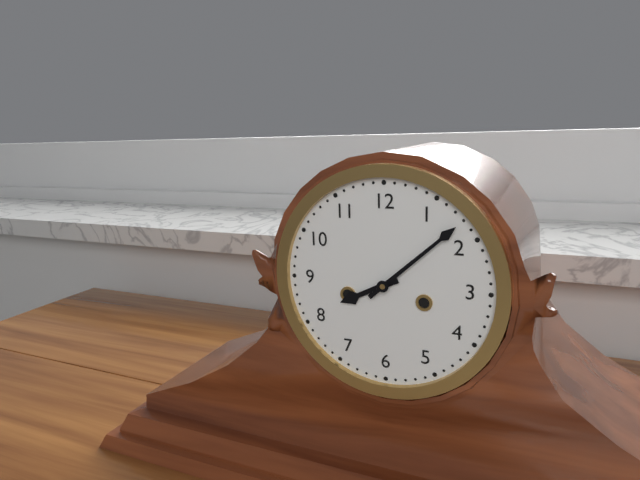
8:08
